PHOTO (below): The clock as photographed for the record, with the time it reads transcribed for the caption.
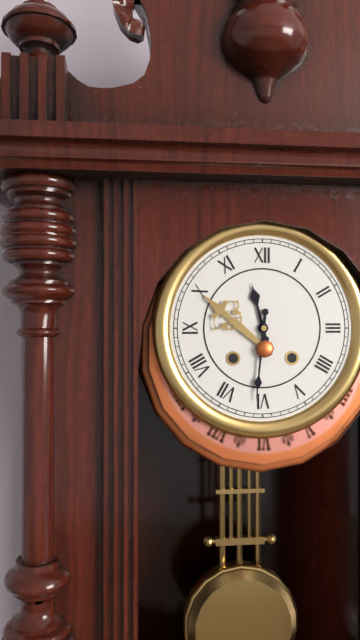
11:31
